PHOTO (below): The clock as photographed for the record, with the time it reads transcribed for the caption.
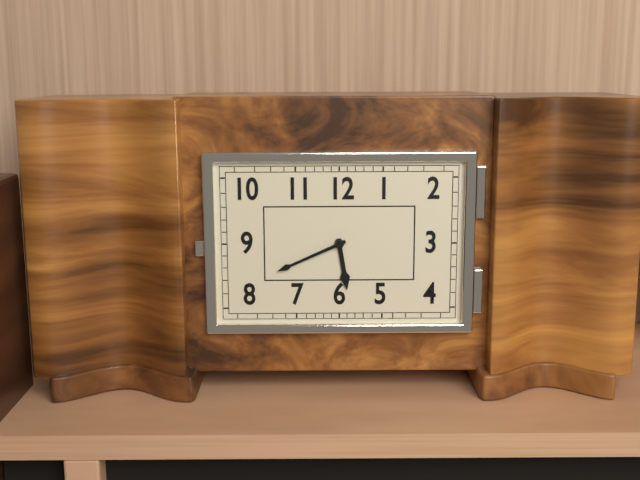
5:41
